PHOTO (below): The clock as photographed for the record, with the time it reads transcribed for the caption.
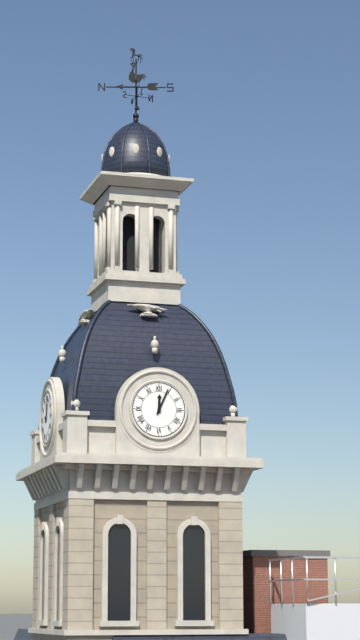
12:04
